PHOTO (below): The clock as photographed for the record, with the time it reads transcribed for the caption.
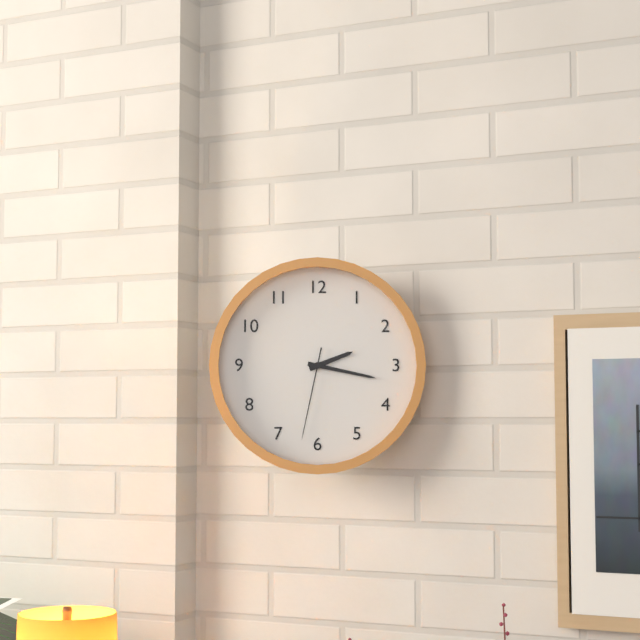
2:17:32
